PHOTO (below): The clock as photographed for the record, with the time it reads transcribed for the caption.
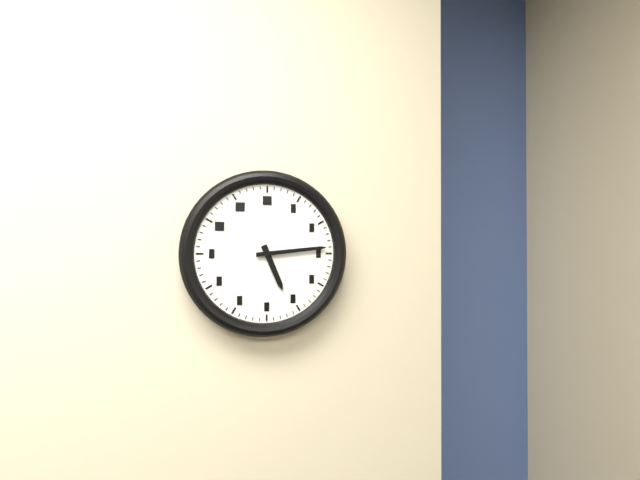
5:14
